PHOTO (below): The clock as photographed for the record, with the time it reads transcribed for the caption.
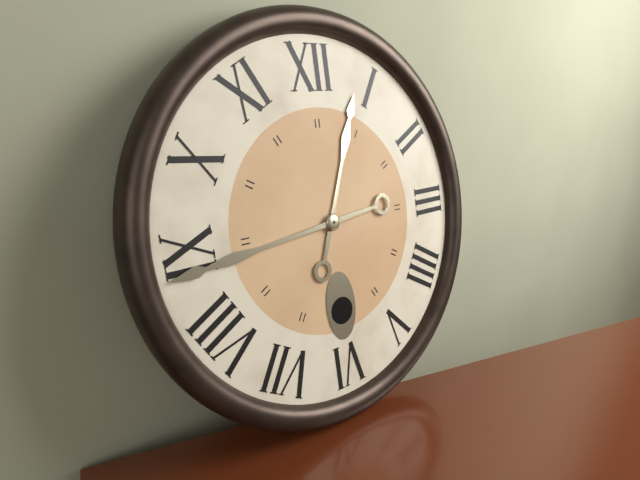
12:44
